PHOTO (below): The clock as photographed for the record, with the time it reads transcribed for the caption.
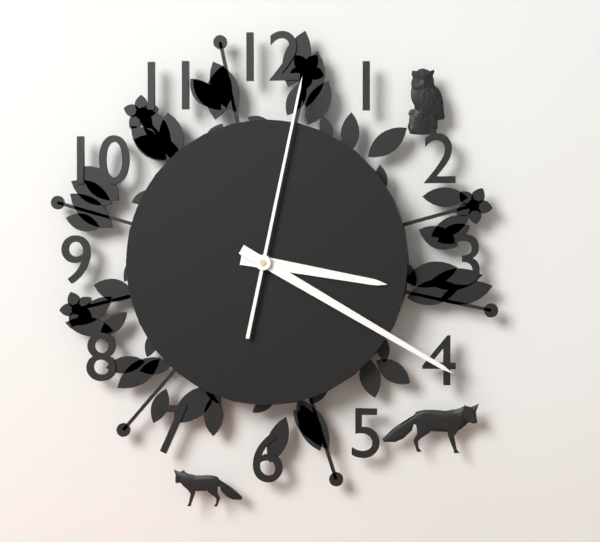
3:20:02
